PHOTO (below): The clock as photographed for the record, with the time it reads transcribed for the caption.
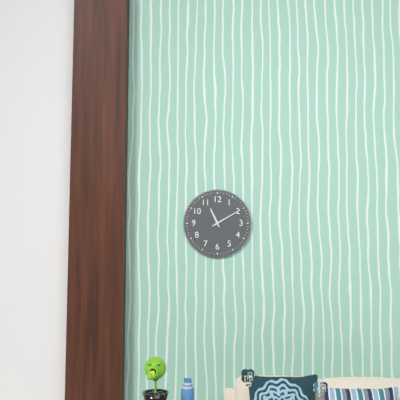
11:10
